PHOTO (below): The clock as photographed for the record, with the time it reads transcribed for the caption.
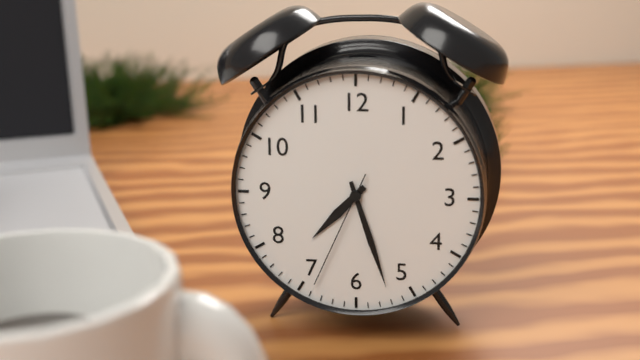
7:27:34
